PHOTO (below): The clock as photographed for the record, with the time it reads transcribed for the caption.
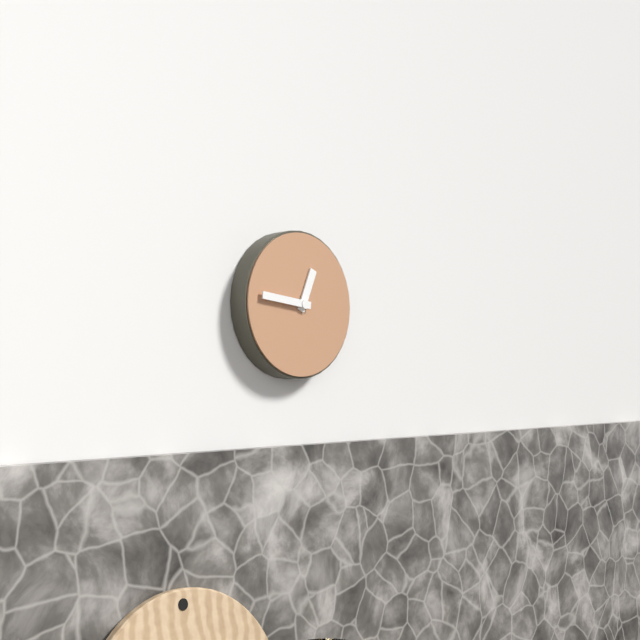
12:46
